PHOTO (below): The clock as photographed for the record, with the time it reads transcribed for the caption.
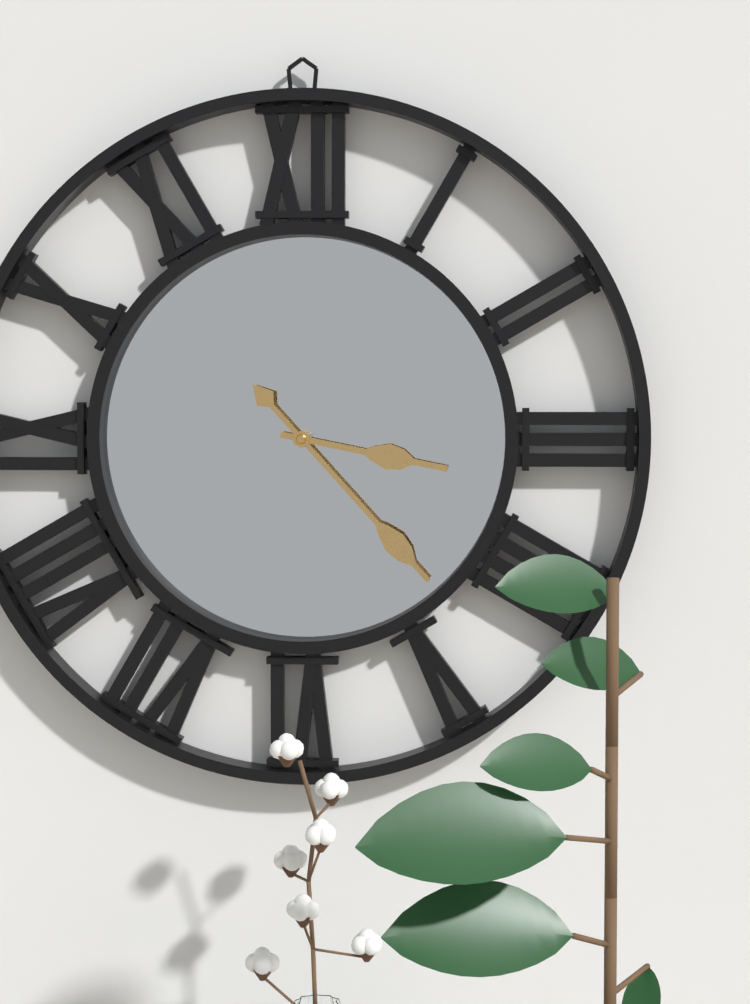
3:23
